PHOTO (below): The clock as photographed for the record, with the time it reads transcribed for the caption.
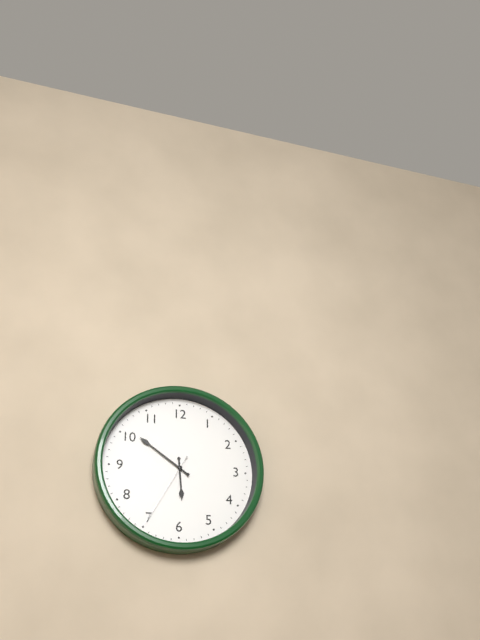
5:51:35
